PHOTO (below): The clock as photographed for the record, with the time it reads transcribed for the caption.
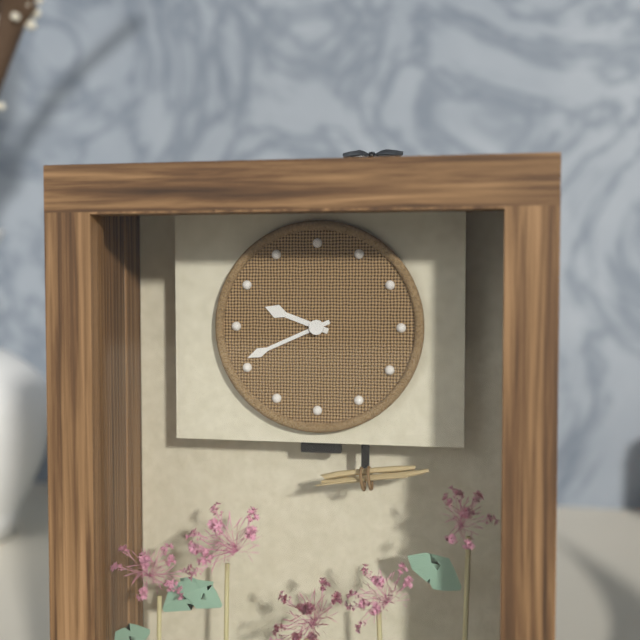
9:41
